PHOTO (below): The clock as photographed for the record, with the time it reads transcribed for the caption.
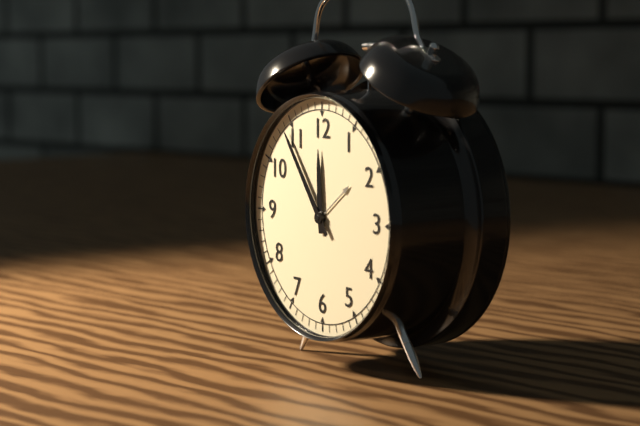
11:54
